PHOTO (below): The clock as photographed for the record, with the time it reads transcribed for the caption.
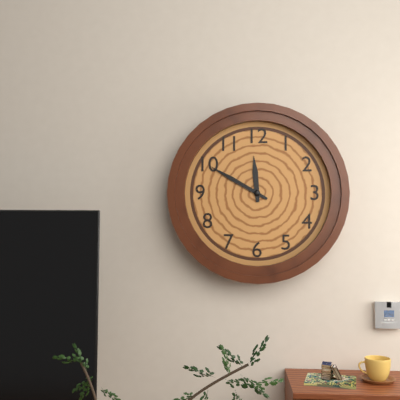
11:50
